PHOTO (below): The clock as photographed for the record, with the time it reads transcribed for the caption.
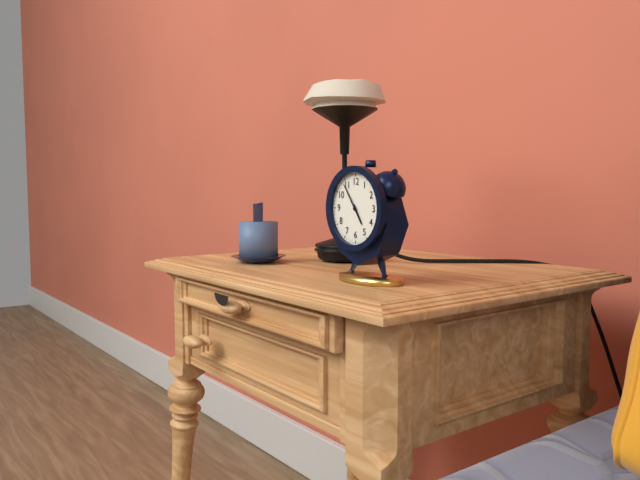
4:54
